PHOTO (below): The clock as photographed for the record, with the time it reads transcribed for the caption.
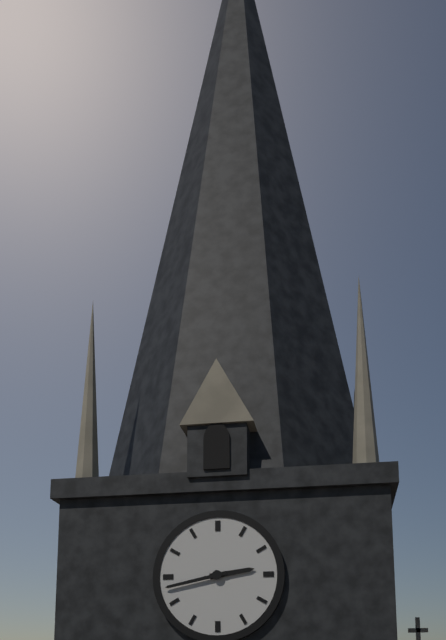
2:43
